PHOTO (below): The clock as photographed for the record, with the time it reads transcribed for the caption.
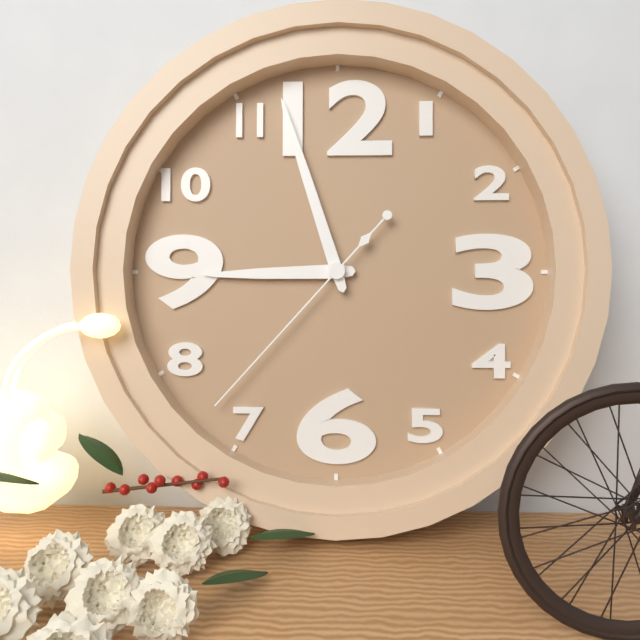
8:57:37
